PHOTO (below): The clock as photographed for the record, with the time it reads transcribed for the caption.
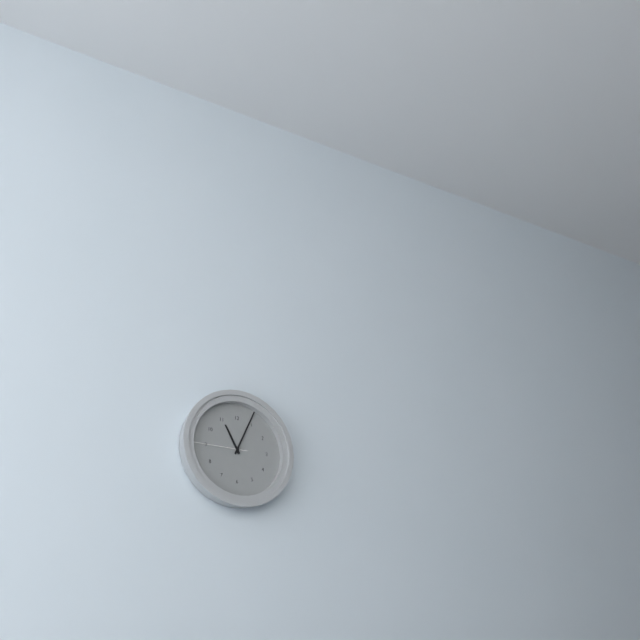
11:04:45
